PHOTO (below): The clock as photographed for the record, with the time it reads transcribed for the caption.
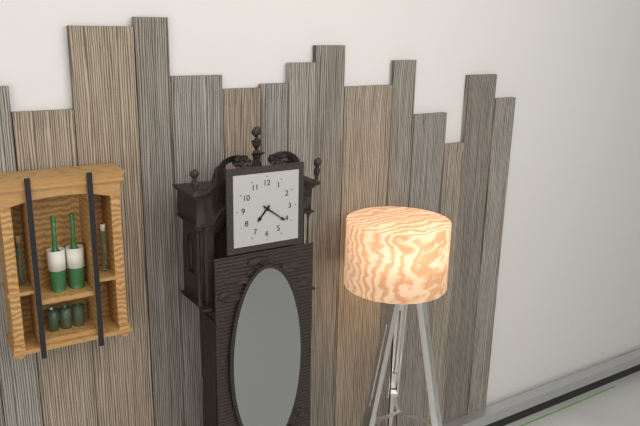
7:21
